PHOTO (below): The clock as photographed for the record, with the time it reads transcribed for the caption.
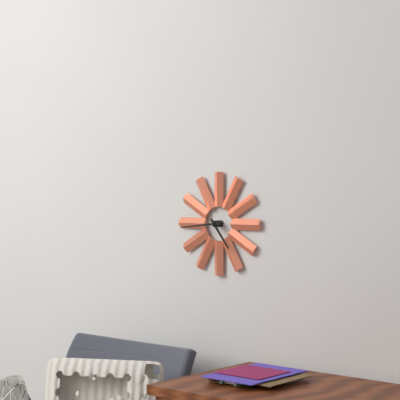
4:44
